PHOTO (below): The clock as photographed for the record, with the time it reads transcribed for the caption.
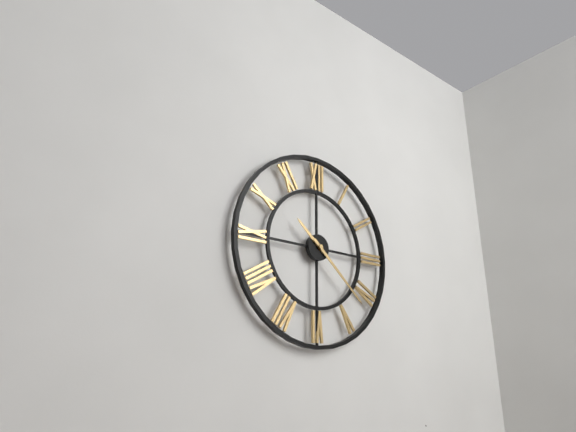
10:22
